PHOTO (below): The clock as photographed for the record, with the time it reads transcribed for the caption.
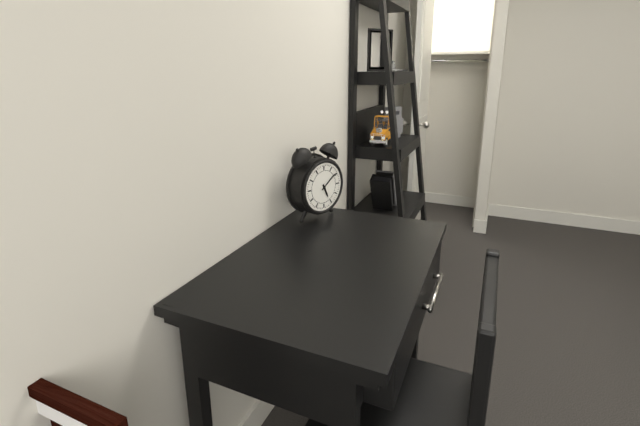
5:09
